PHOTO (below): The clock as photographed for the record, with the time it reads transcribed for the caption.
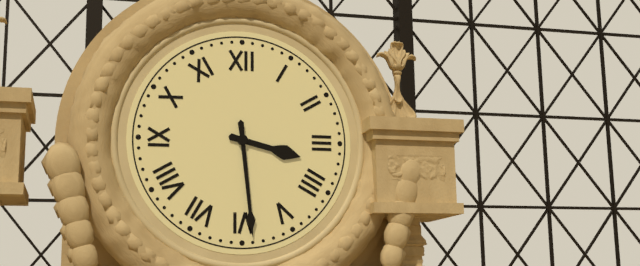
3:29
